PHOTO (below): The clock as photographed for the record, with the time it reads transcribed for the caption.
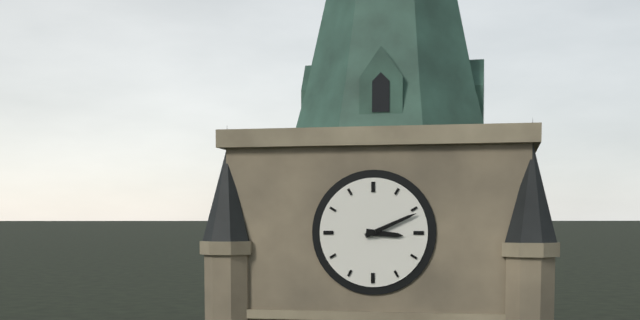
3:11
